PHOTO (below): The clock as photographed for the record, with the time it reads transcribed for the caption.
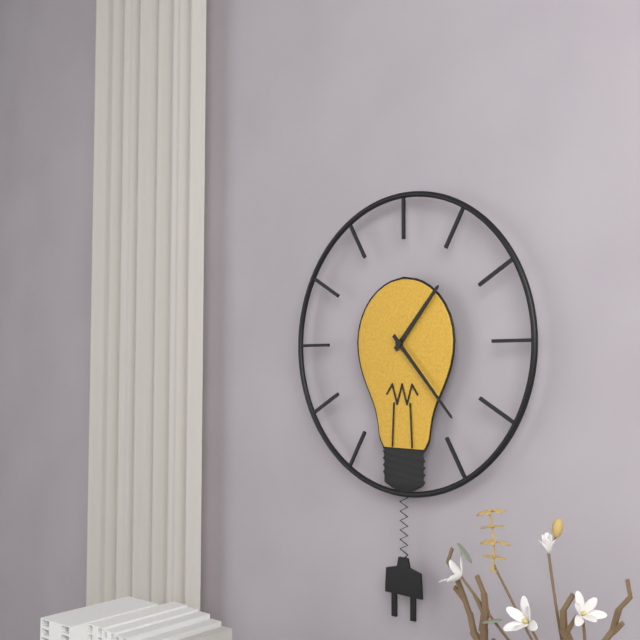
1:23
